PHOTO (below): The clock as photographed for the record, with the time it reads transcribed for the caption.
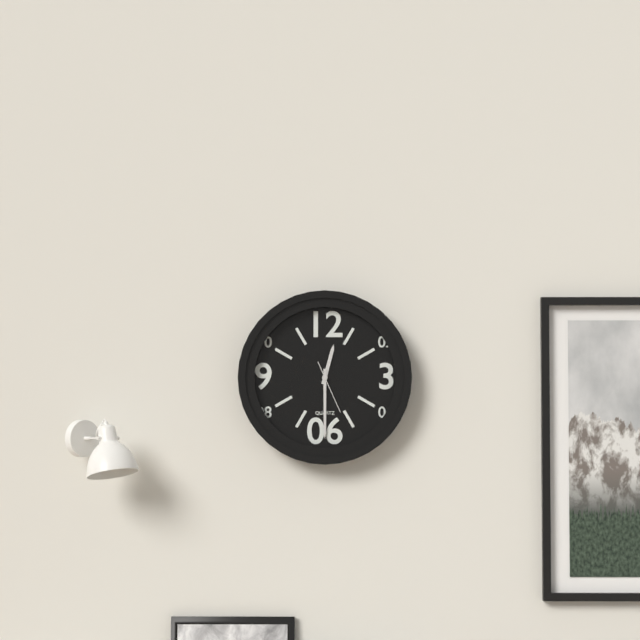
12:30
